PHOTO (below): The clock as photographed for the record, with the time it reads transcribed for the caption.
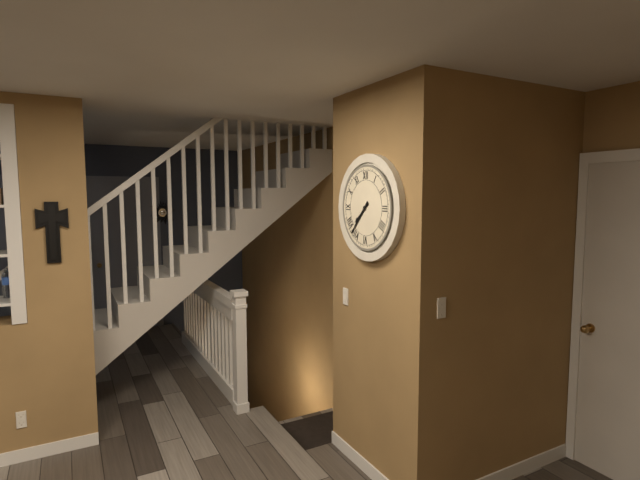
7:37
